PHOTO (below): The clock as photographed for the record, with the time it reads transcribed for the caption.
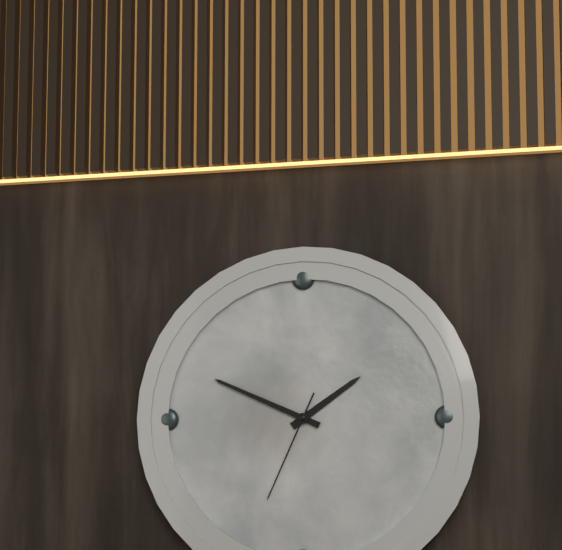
1:49:34
